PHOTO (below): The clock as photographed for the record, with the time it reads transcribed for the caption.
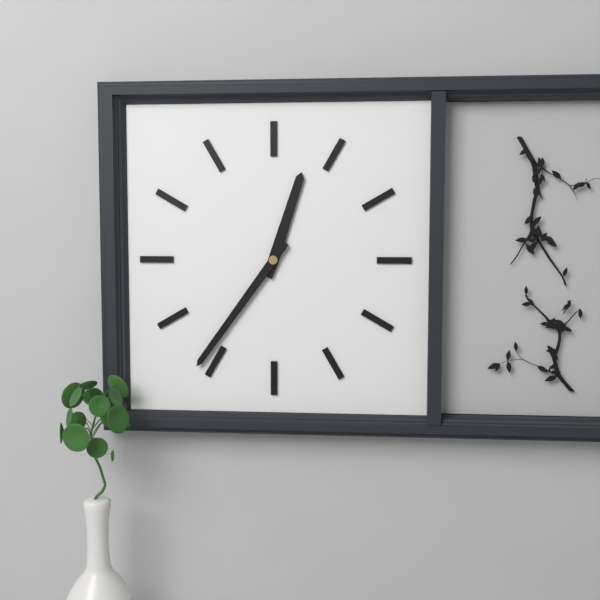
12:36
